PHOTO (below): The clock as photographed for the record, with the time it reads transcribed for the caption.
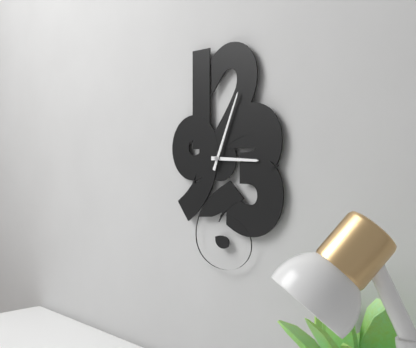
3:04
